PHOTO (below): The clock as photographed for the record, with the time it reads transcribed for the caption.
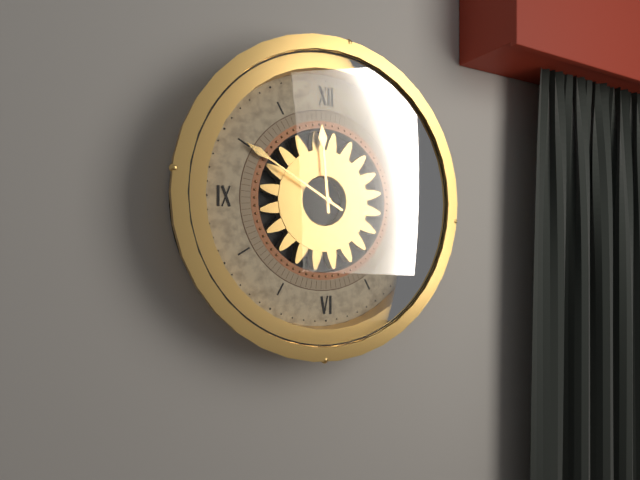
11:50
